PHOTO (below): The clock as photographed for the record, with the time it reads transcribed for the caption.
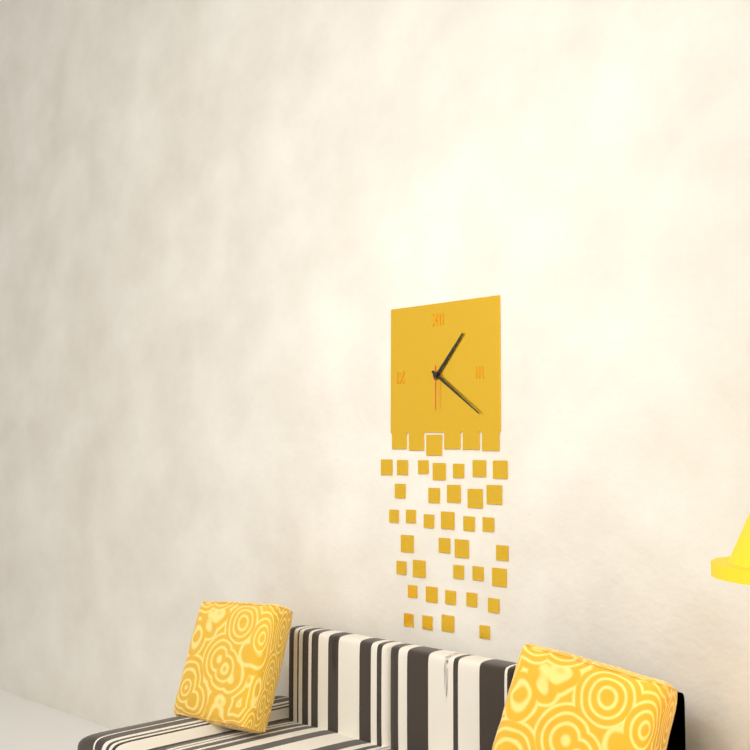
1:21
